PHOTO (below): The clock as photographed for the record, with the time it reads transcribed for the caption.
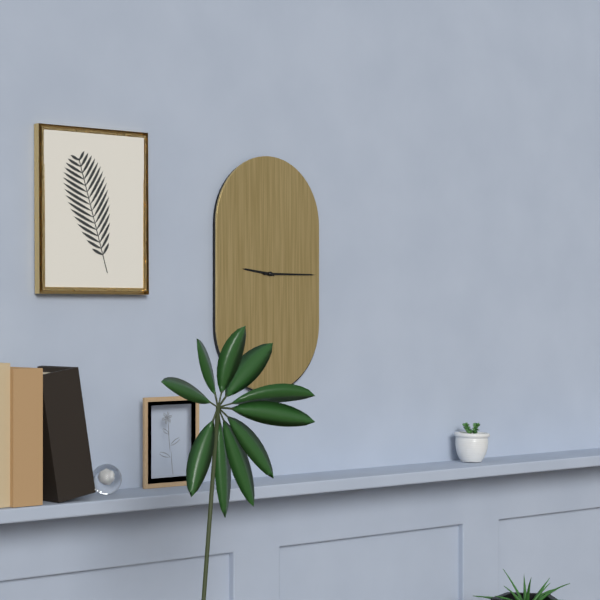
9:15
